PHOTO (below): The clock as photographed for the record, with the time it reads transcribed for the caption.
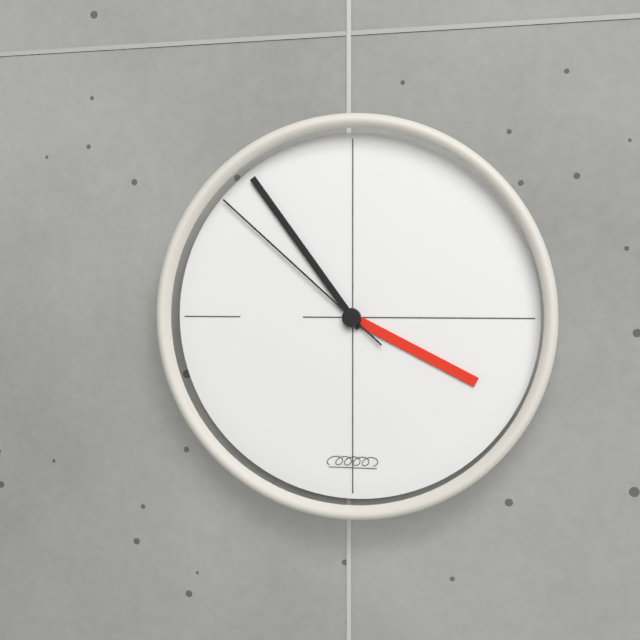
3:54:52
